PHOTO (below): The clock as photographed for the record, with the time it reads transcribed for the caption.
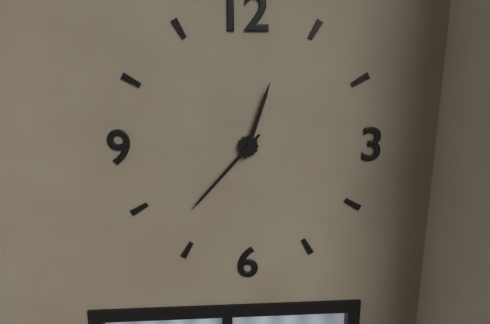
12:37
